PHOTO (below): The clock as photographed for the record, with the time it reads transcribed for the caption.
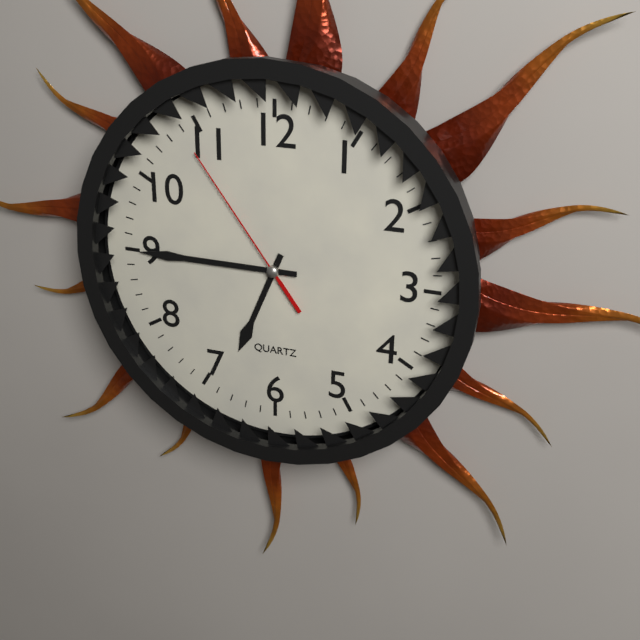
6:45:54
